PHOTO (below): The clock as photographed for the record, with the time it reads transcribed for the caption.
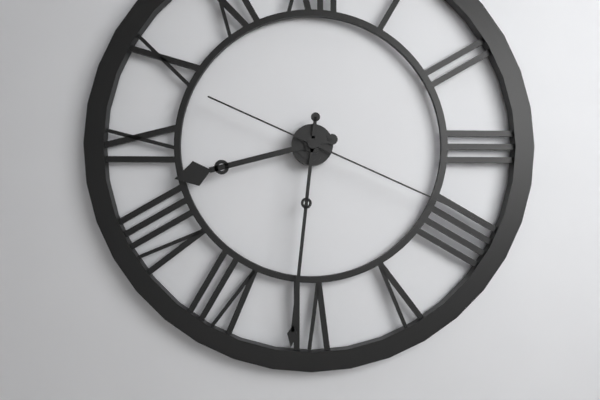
8:31:19
